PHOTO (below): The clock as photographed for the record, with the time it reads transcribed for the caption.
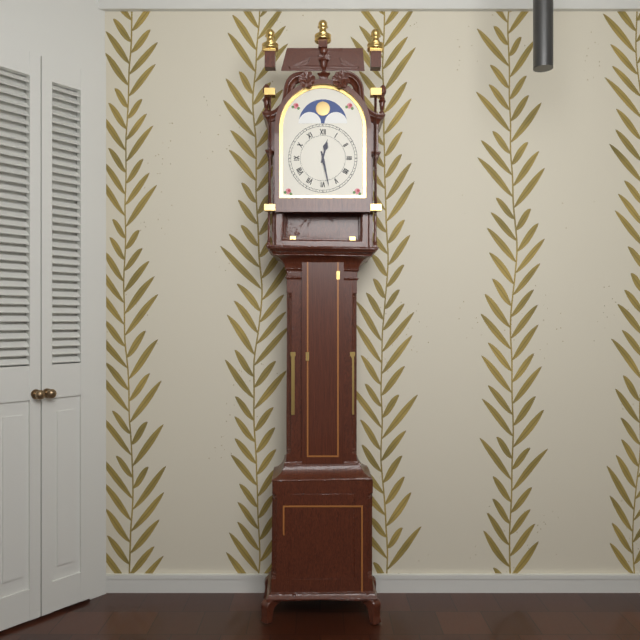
12:28
